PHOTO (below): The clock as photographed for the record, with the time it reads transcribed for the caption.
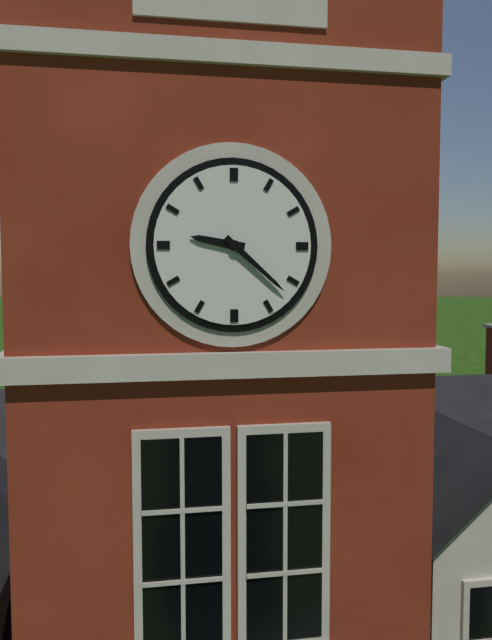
9:22
